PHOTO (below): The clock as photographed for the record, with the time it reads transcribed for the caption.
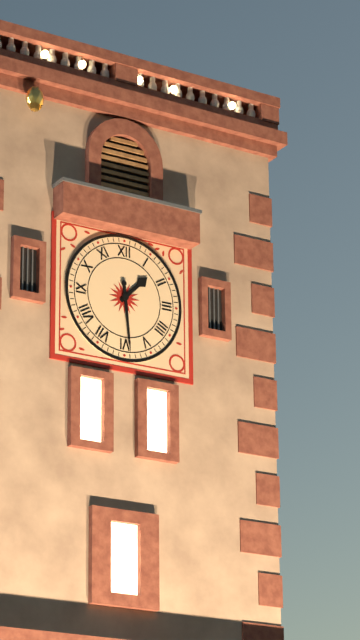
1:29
